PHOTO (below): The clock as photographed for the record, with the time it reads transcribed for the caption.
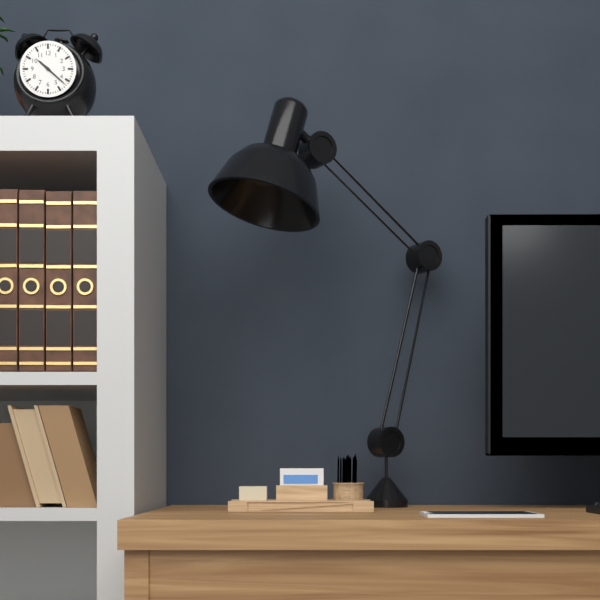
10:22
